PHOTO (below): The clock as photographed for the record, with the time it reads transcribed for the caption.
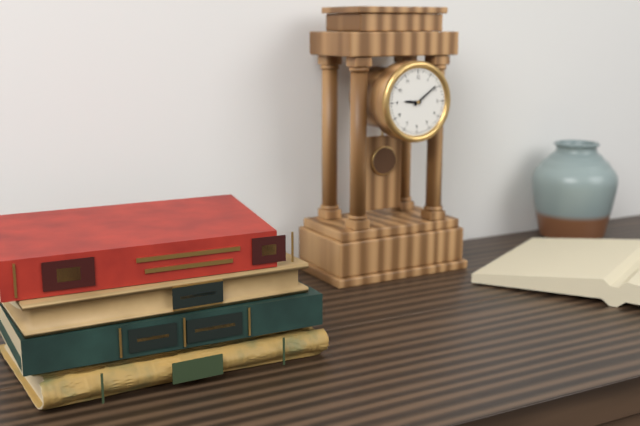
9:09
